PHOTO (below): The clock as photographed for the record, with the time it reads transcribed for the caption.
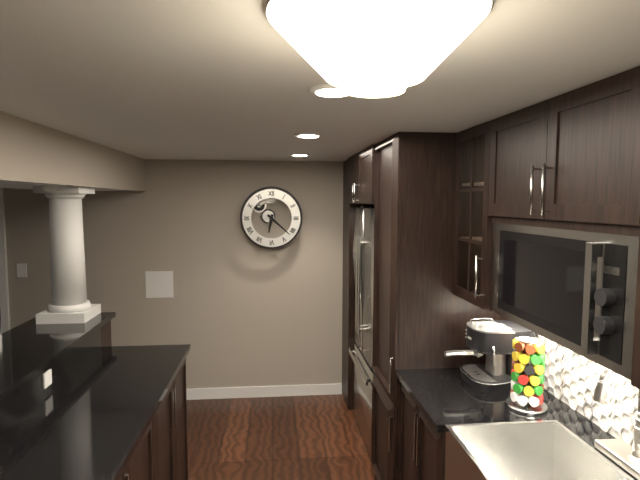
6:22
